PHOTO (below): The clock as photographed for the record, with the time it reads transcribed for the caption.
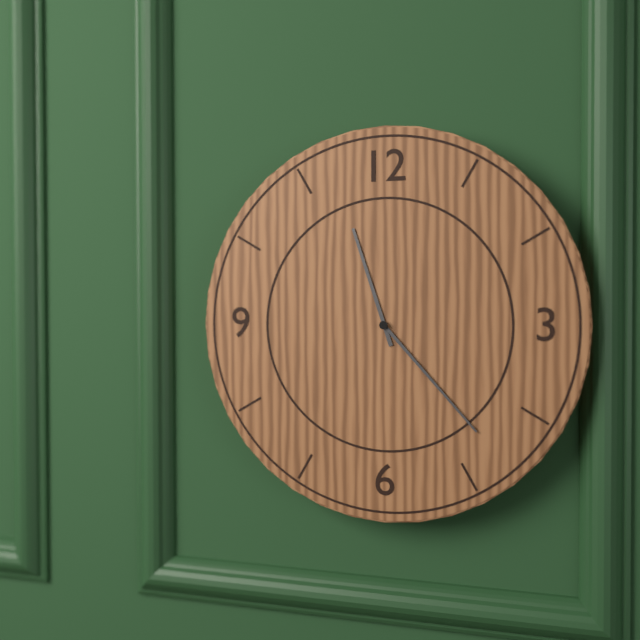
11:23
